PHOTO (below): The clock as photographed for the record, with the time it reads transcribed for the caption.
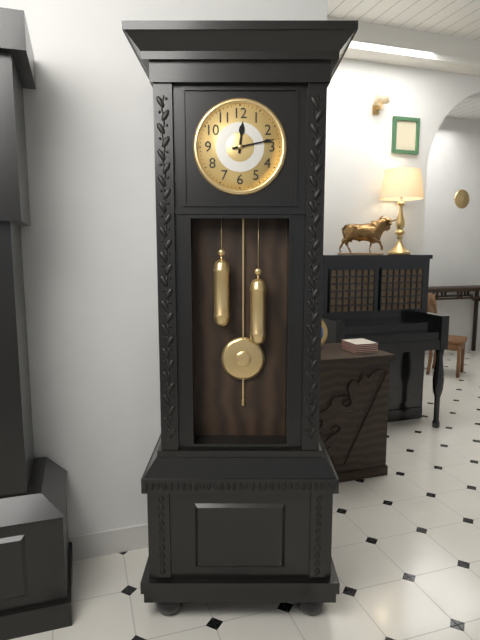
12:13
